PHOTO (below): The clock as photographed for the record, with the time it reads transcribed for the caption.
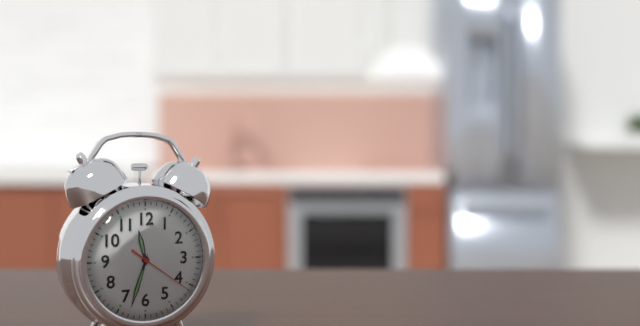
11:33:21
